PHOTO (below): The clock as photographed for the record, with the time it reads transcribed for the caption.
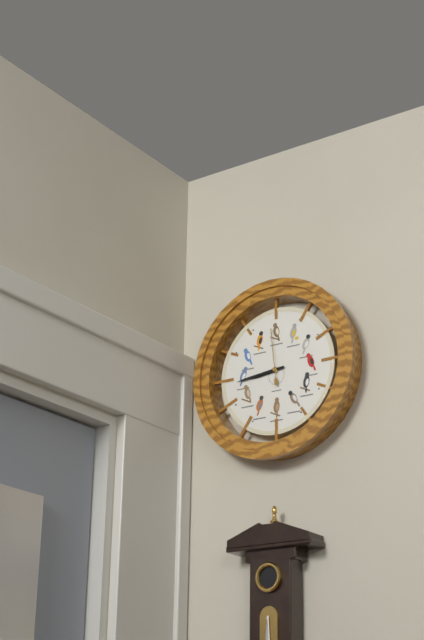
8:44:59
